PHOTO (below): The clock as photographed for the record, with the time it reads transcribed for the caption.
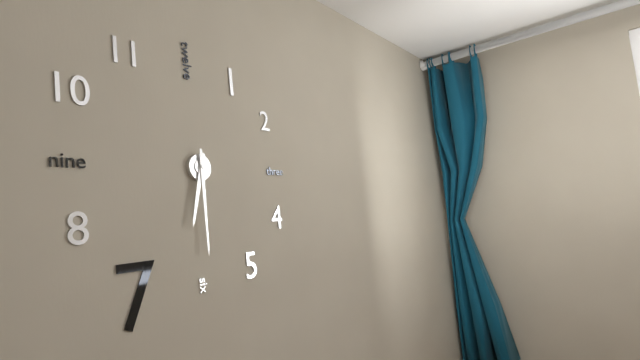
6:30
